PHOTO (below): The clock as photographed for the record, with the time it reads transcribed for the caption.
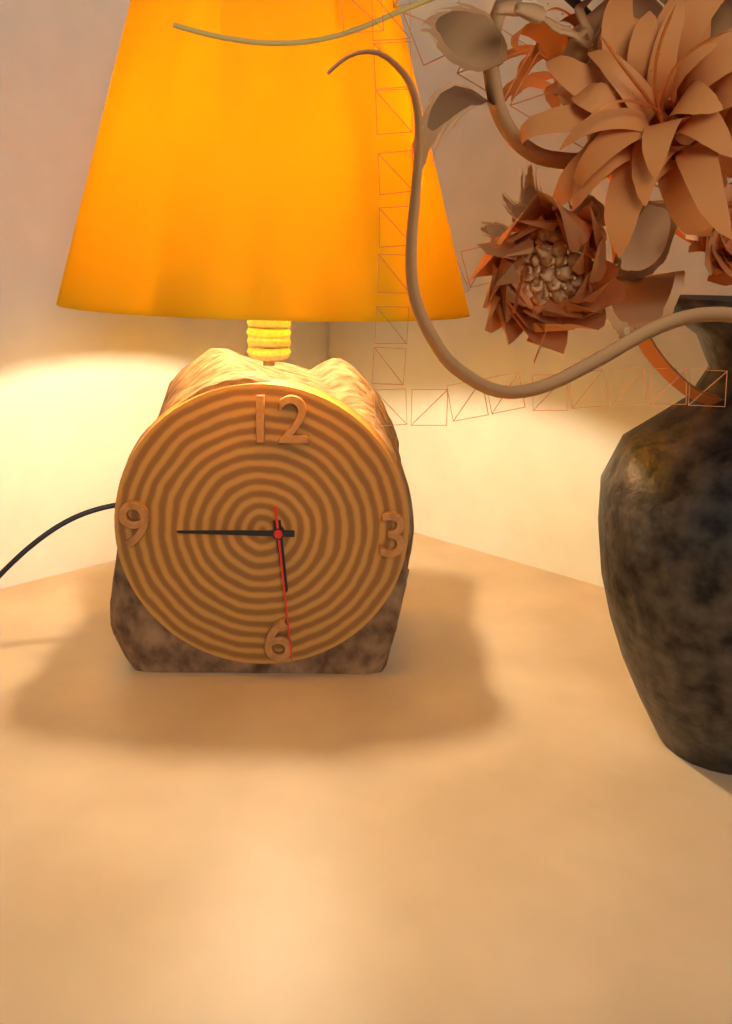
5:45:29
